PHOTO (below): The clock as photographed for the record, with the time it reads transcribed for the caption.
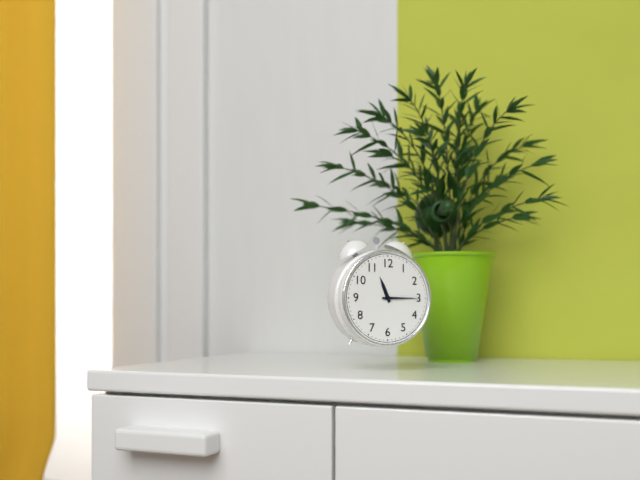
11:15
